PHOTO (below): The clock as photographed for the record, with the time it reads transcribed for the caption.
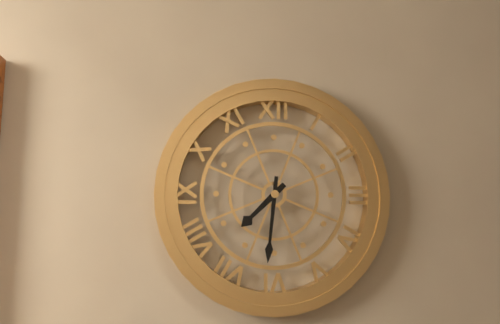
7:31
